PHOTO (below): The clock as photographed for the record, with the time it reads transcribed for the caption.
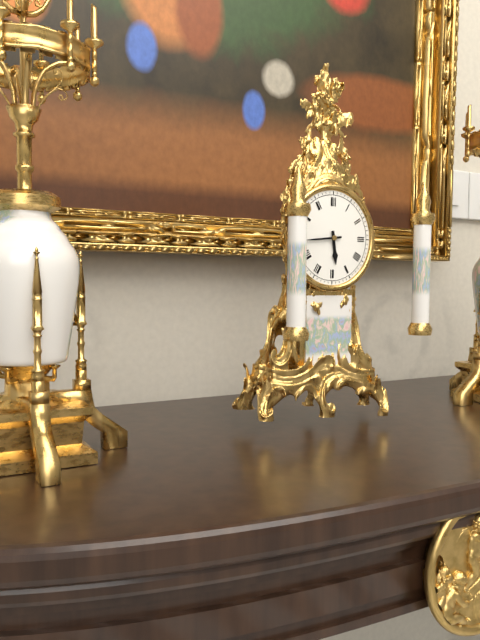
5:44
